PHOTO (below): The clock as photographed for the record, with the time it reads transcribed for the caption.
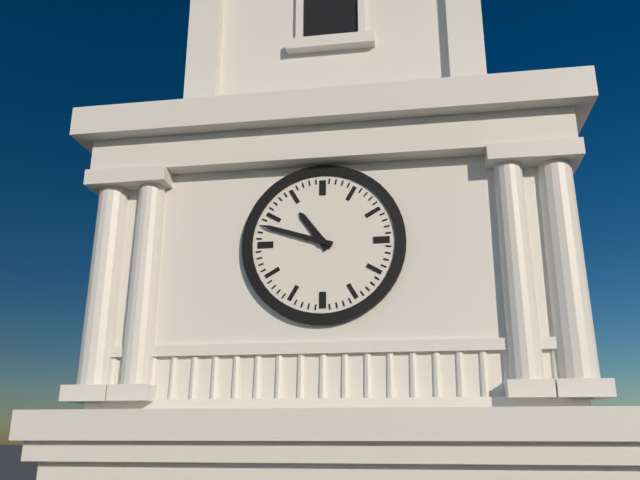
10:48
